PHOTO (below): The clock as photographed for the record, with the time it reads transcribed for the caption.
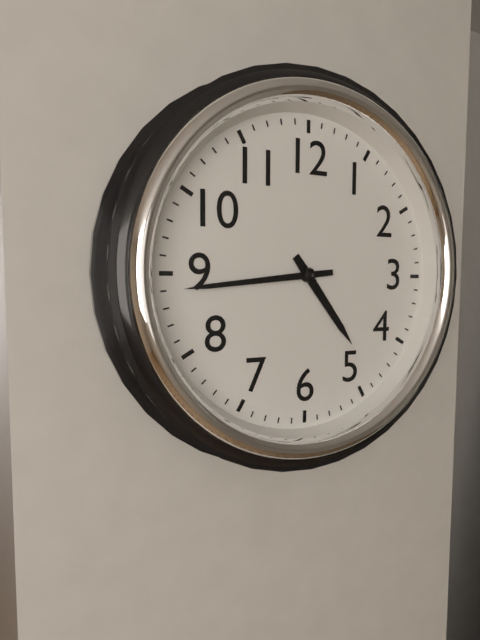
4:44
